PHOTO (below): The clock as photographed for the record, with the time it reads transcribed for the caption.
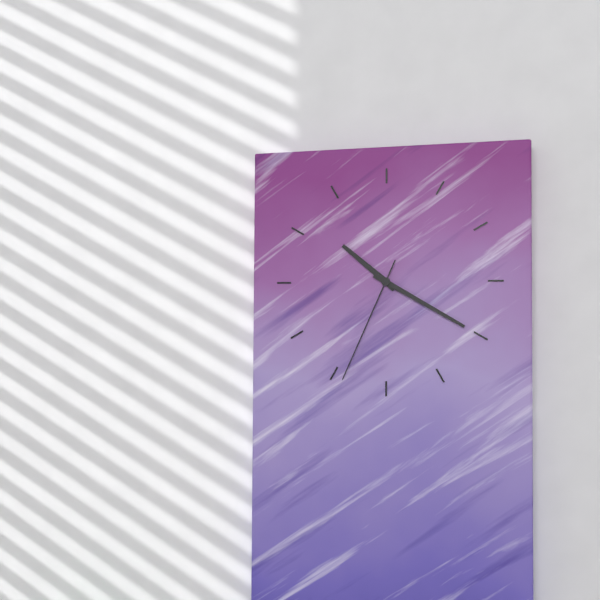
10:20:34
